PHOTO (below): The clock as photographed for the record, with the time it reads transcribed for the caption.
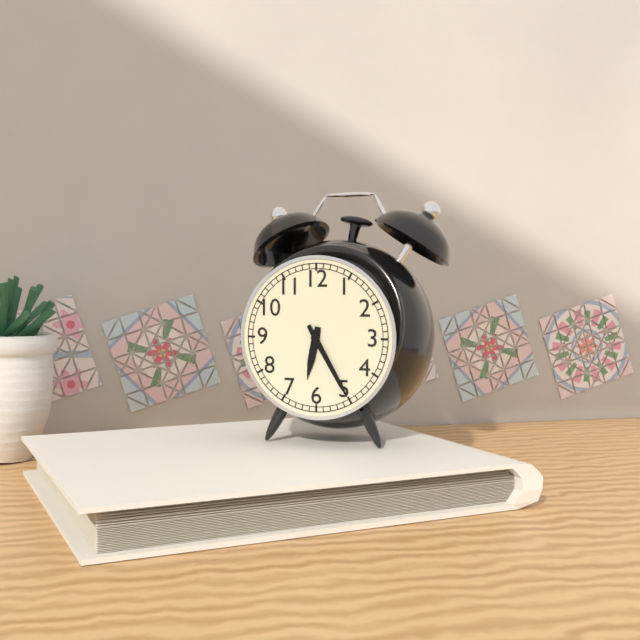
6:25
